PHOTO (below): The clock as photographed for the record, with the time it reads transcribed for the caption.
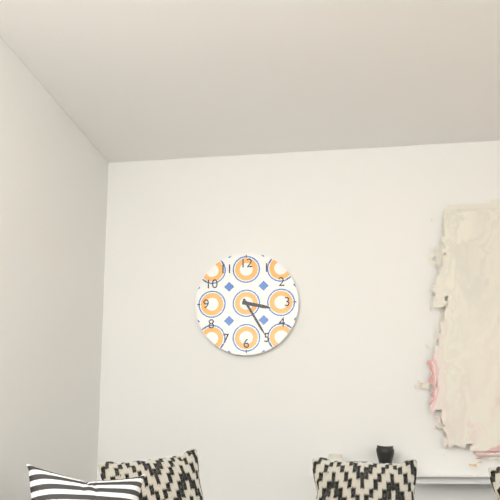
3:25
